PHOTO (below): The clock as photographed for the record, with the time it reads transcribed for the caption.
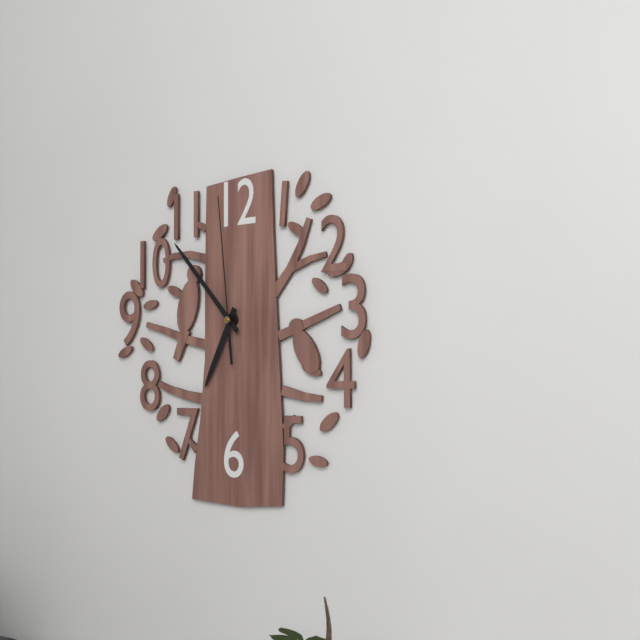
6:53:59
